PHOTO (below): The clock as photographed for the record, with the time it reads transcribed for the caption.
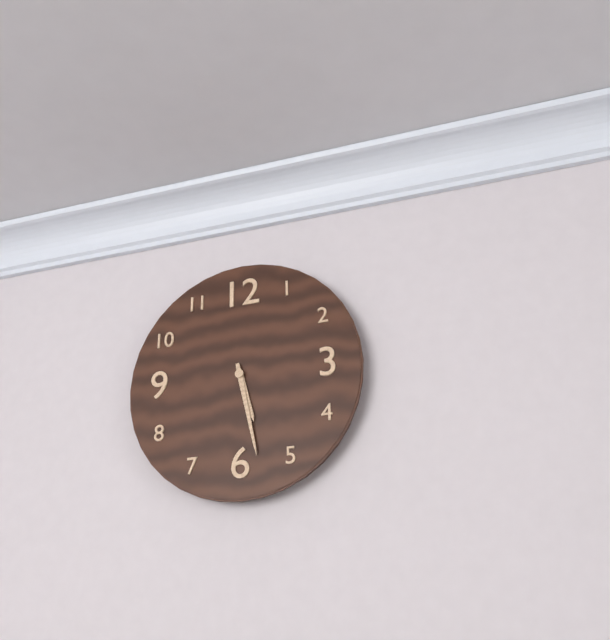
5:28
